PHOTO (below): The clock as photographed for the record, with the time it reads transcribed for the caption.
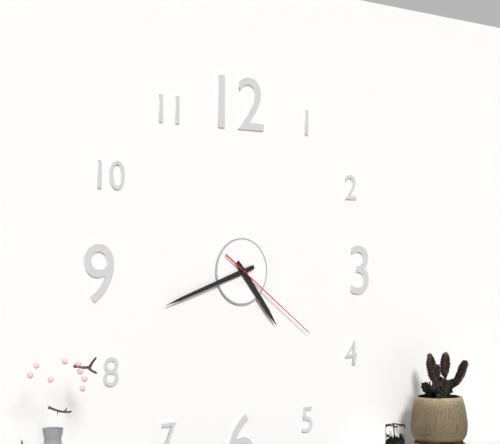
4:42:21
